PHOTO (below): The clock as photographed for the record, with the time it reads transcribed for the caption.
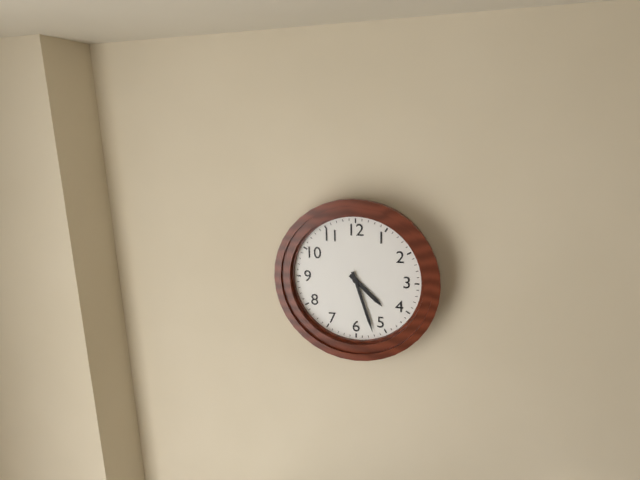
4:27
